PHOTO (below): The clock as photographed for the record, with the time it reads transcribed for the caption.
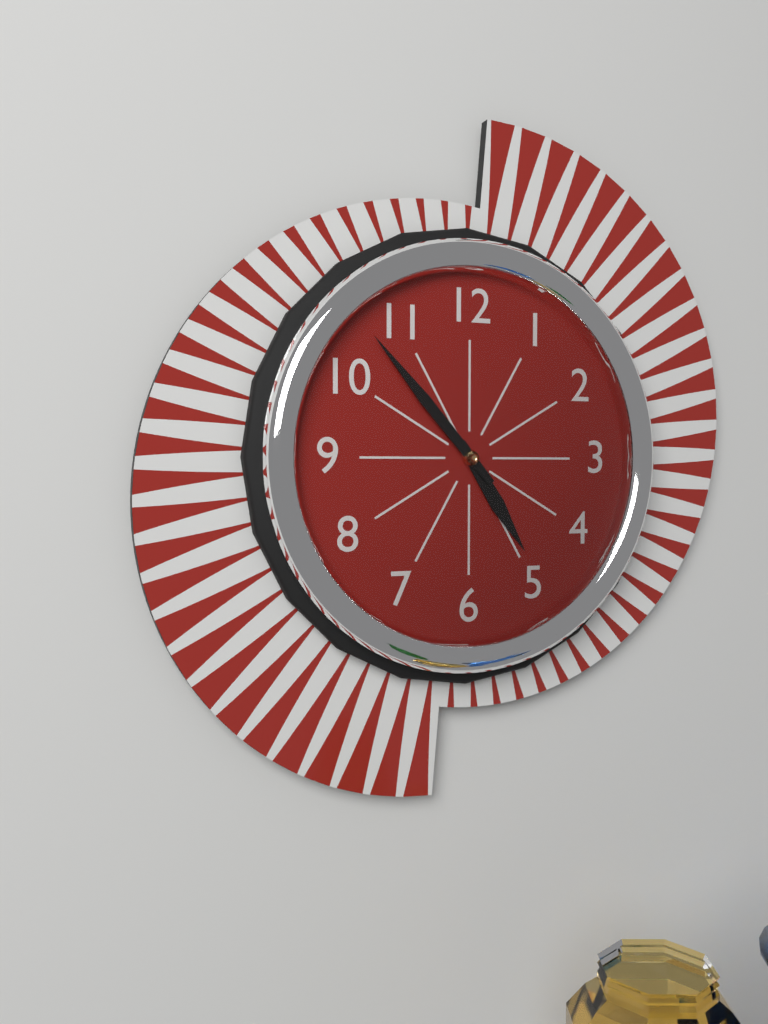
4:53
